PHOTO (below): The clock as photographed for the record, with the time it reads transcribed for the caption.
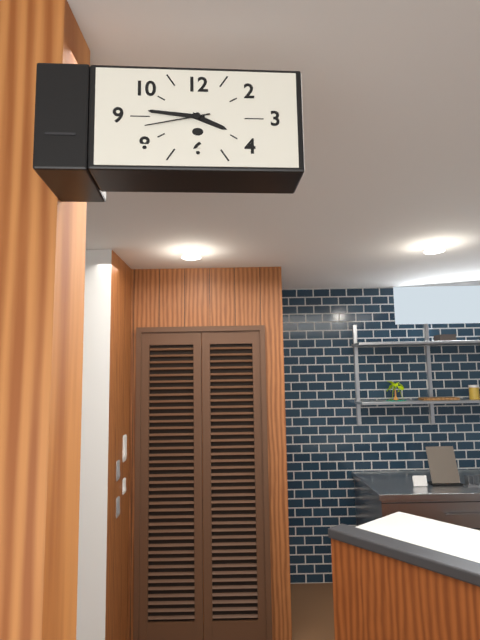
3:46:43
